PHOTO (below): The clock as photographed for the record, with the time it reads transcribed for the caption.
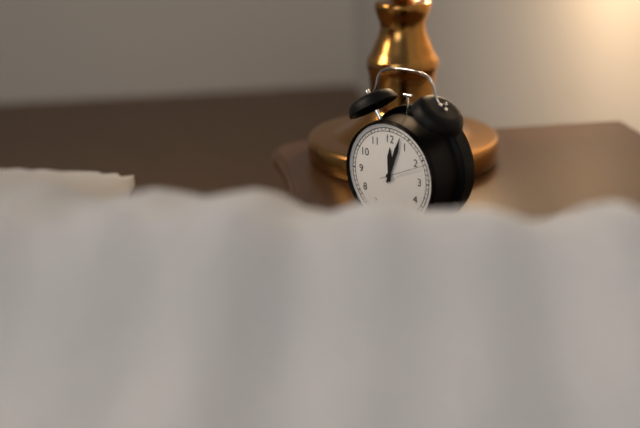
12:03
